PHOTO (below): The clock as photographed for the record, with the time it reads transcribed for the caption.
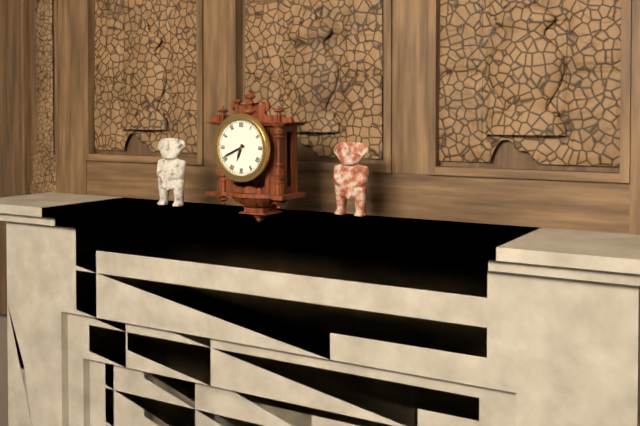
6:41
